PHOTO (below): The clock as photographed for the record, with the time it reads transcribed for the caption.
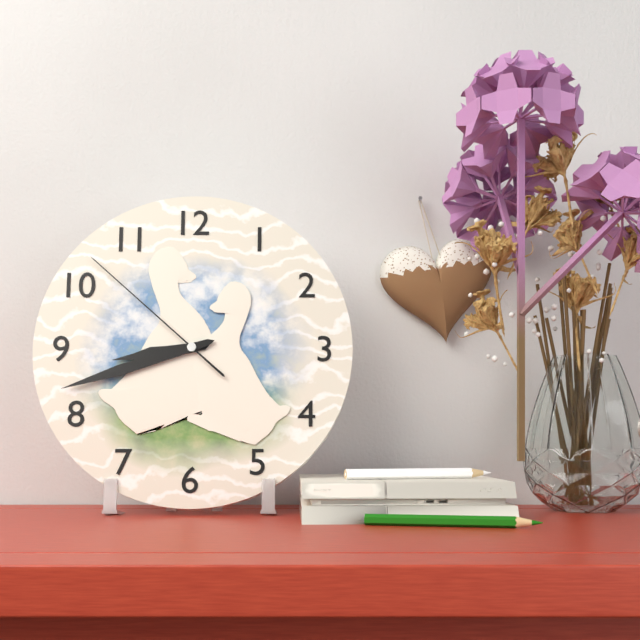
8:42:52
